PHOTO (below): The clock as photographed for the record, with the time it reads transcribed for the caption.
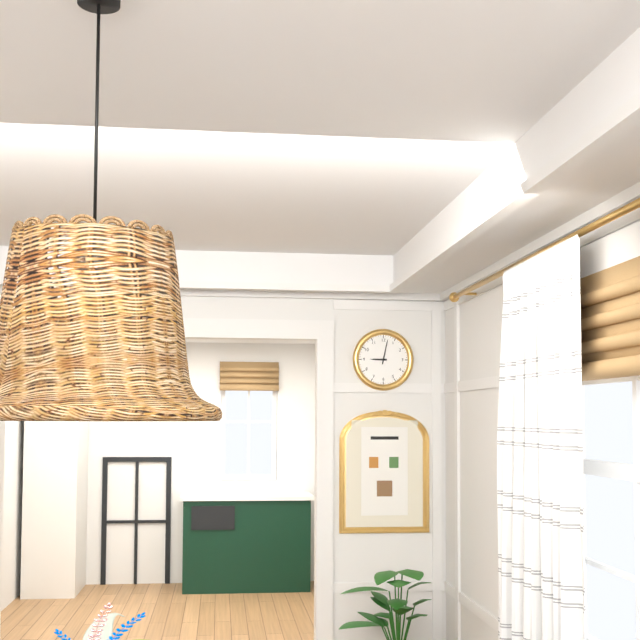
9:02
